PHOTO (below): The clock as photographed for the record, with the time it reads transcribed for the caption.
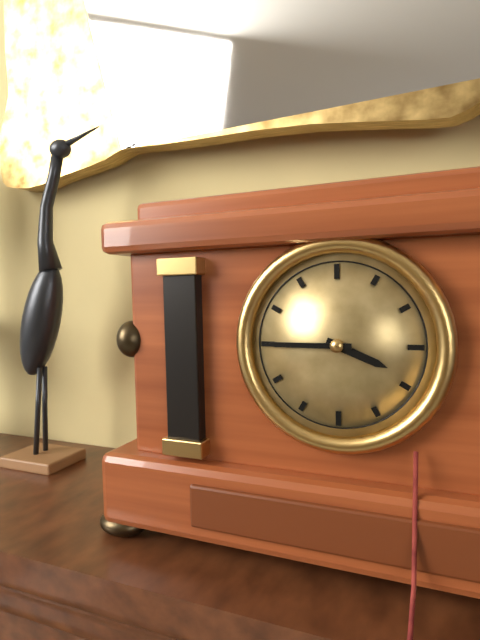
3:45
